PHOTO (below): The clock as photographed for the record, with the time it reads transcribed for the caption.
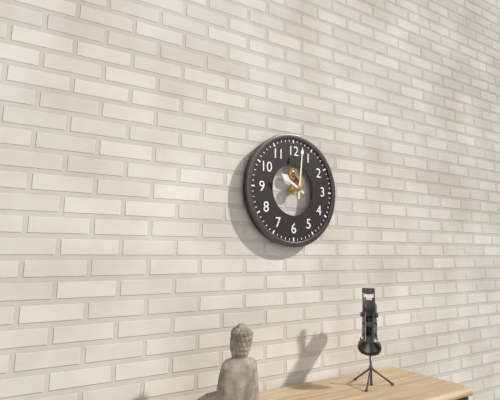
10:01
